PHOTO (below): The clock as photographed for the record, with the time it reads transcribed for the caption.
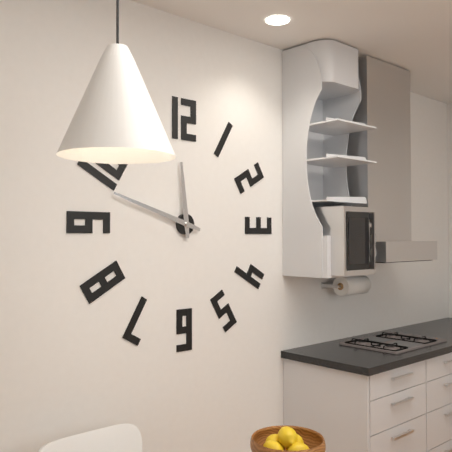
11:48
